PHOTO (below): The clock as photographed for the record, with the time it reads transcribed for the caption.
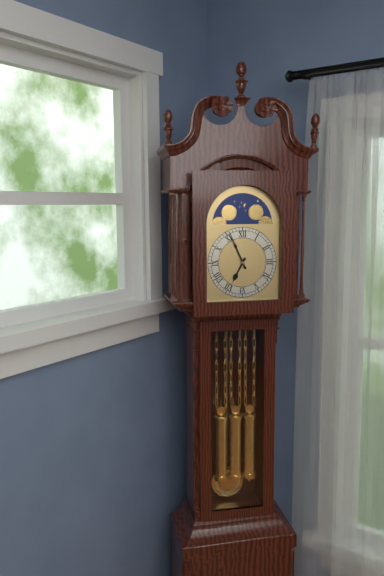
6:56
